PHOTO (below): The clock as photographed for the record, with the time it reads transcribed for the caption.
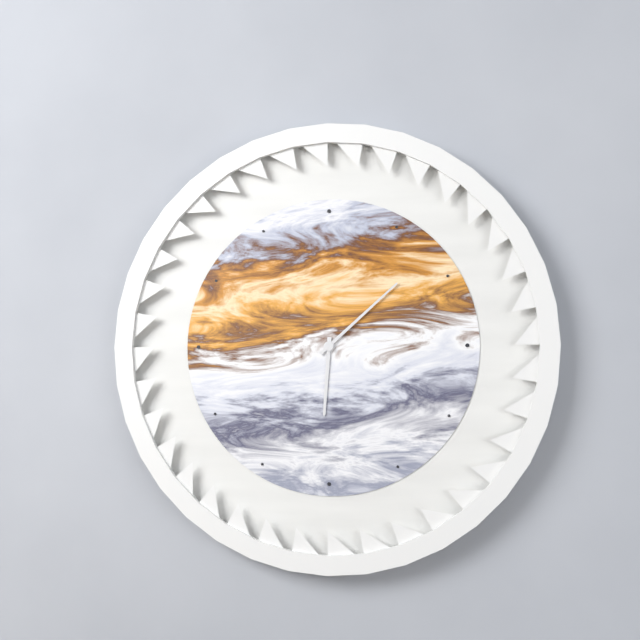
6:08
